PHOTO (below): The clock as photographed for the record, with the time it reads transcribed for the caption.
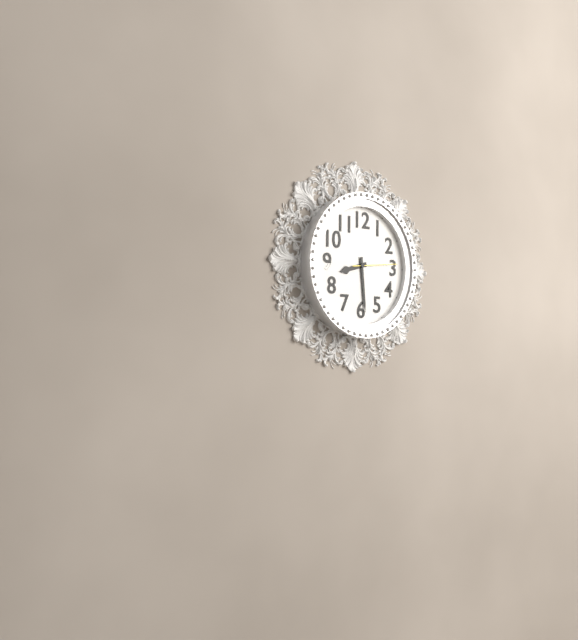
8:29
